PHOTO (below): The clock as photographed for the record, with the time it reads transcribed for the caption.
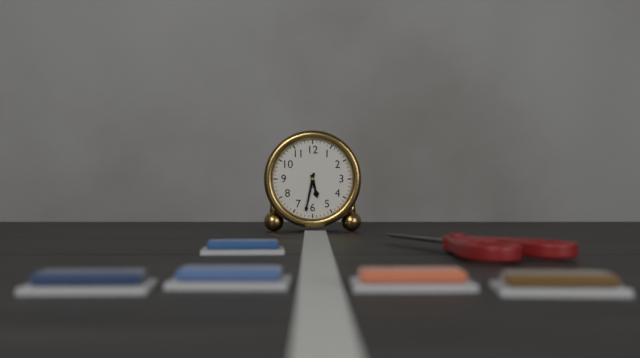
5:32
